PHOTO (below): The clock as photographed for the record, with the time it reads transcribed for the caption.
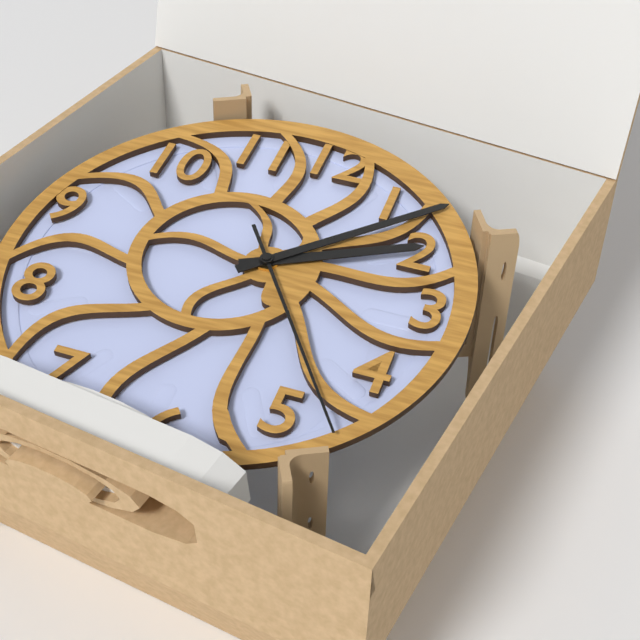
2:08:24
